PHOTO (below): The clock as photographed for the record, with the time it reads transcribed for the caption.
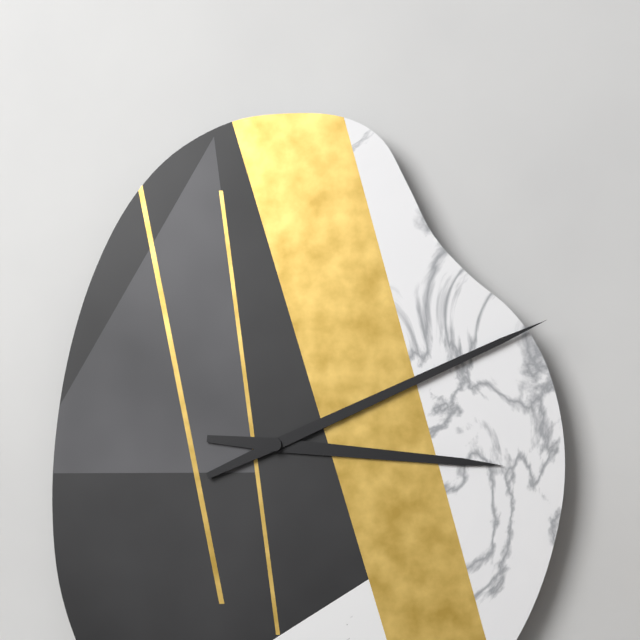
3:11
